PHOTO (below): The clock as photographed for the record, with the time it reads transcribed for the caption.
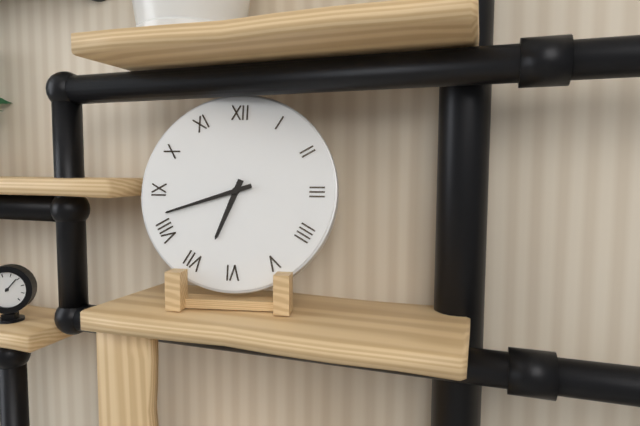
6:42
